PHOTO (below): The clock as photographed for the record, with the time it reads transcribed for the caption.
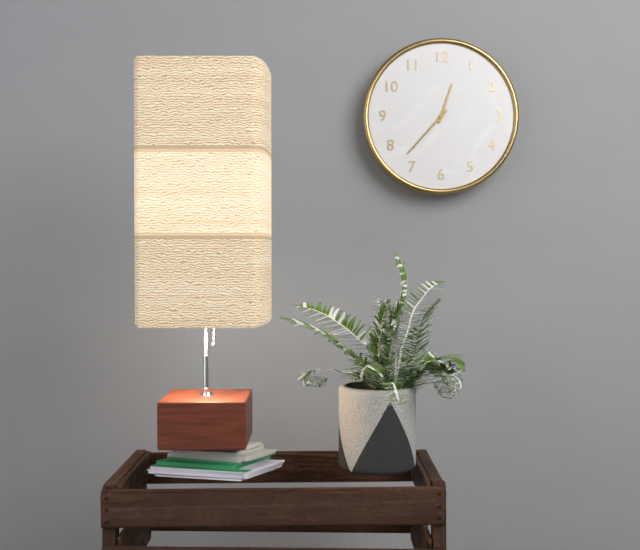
12:37
